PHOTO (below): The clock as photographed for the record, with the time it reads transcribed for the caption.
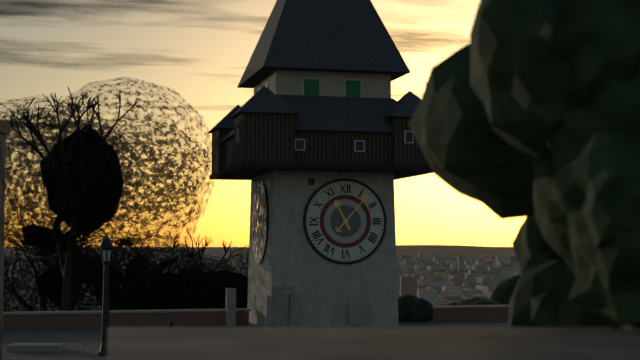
11:07
